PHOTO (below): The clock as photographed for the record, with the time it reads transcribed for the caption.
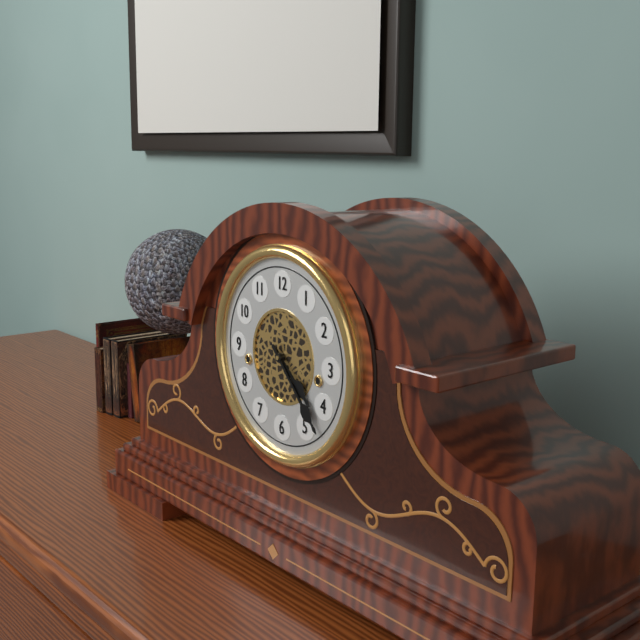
4:23
